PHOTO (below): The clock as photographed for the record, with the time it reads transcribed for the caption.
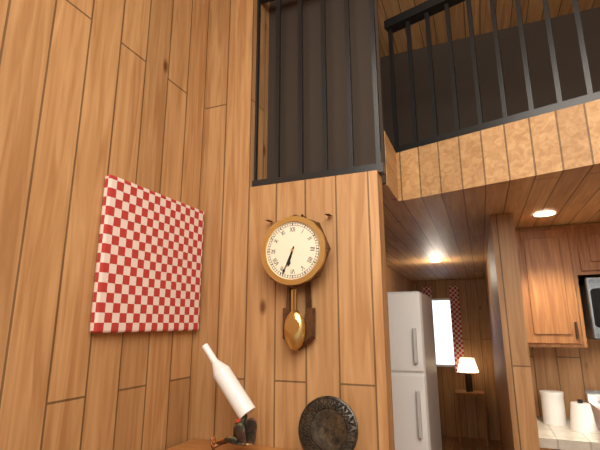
6:34
